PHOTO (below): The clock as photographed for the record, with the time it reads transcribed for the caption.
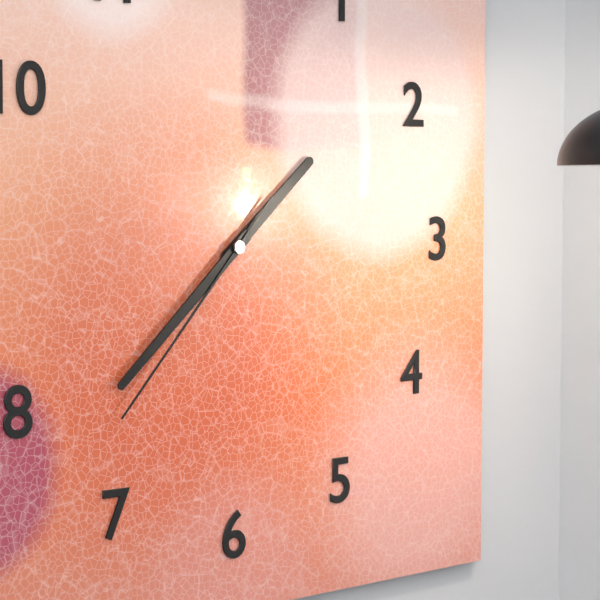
1:38:37
